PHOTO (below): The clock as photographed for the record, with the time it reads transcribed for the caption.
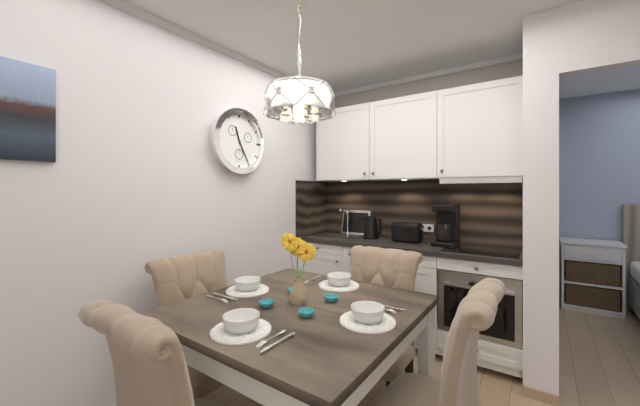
11:25
